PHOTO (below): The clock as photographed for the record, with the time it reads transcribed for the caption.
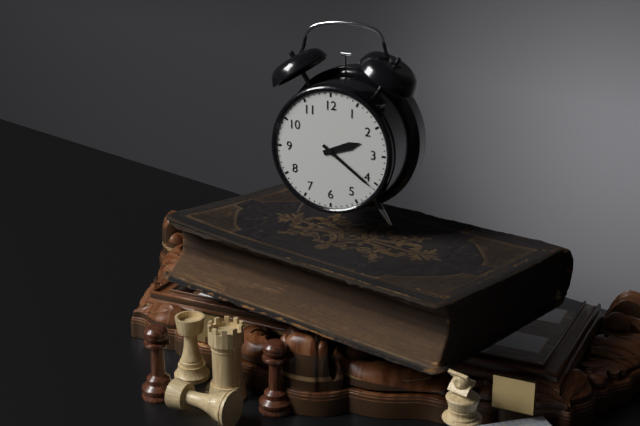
2:21
